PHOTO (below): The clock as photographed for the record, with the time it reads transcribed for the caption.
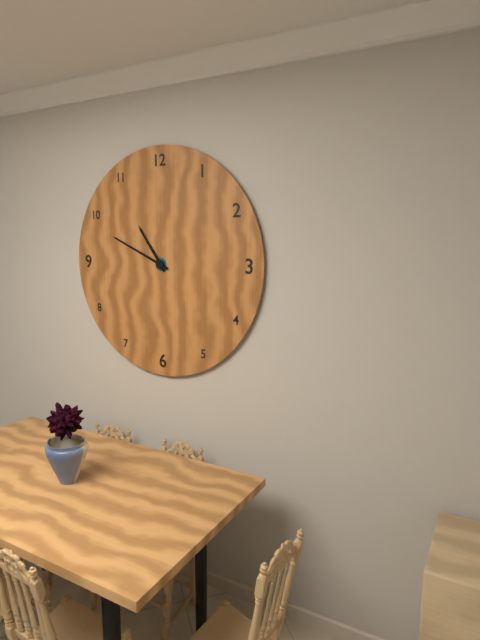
10:49
